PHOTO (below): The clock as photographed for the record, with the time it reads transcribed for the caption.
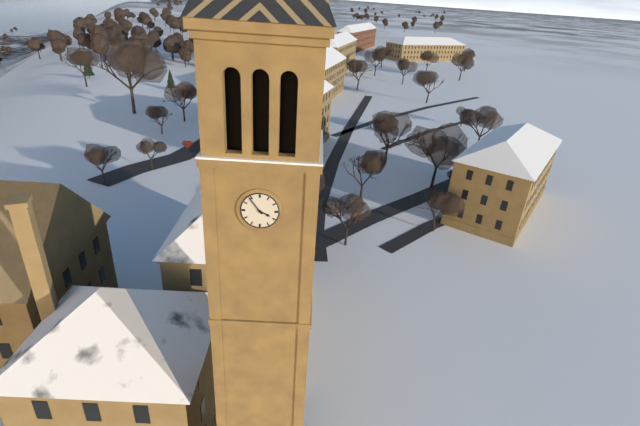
3:54
